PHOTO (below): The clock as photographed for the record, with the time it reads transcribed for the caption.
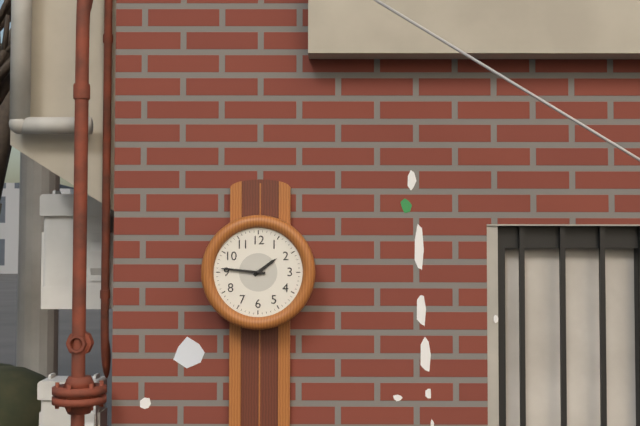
1:46
